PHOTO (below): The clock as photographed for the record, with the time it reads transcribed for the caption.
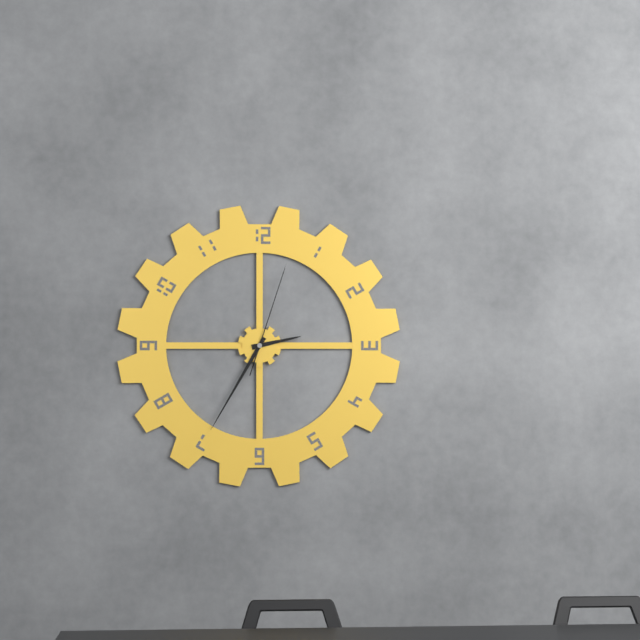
2:35:03
